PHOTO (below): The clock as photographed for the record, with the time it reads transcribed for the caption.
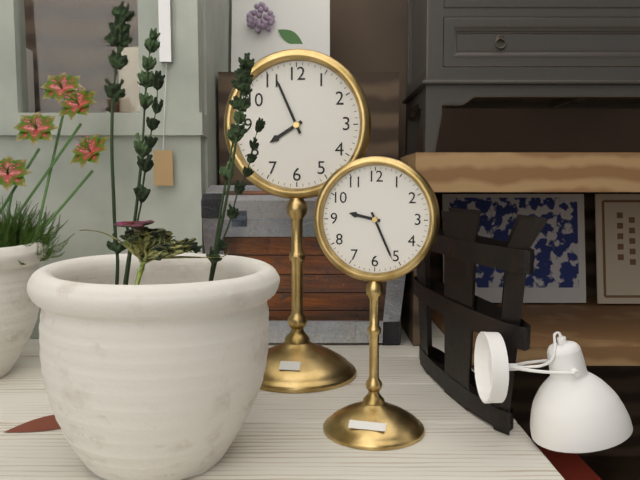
7:56
